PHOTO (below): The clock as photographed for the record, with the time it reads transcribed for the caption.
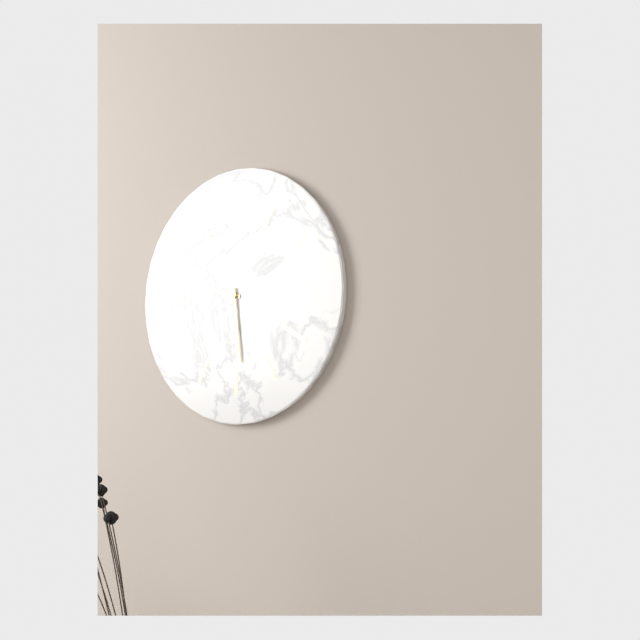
9:29
